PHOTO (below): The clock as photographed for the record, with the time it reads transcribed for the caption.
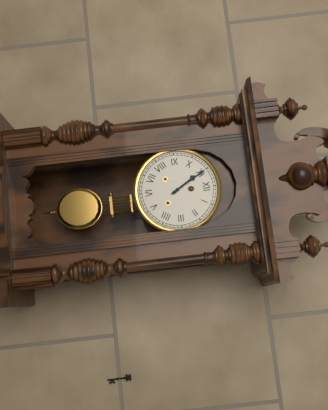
10:55
